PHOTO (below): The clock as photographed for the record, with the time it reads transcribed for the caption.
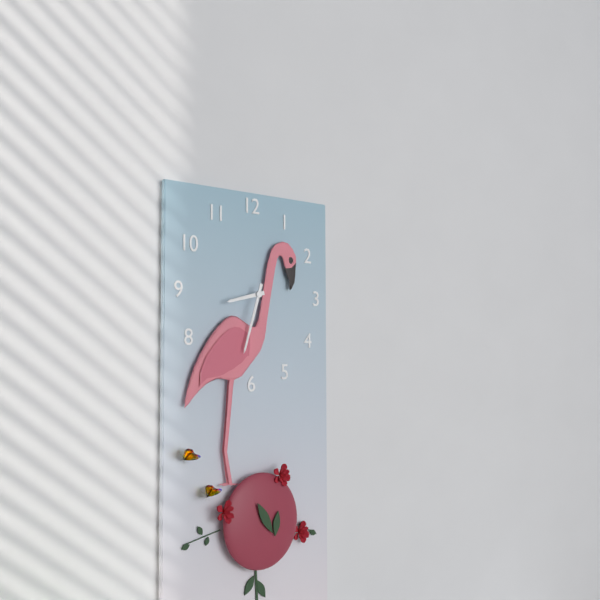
8:33
